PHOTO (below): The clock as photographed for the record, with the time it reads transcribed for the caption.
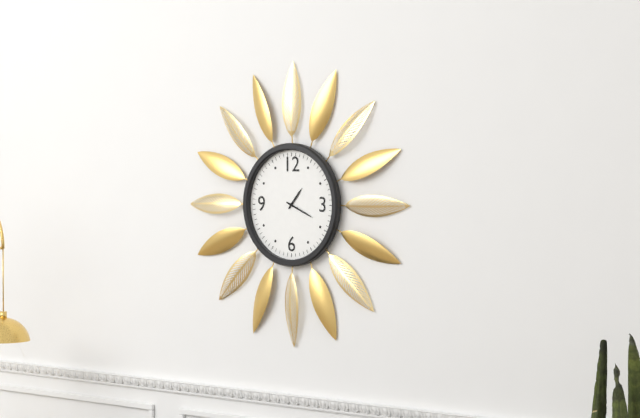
1:19
